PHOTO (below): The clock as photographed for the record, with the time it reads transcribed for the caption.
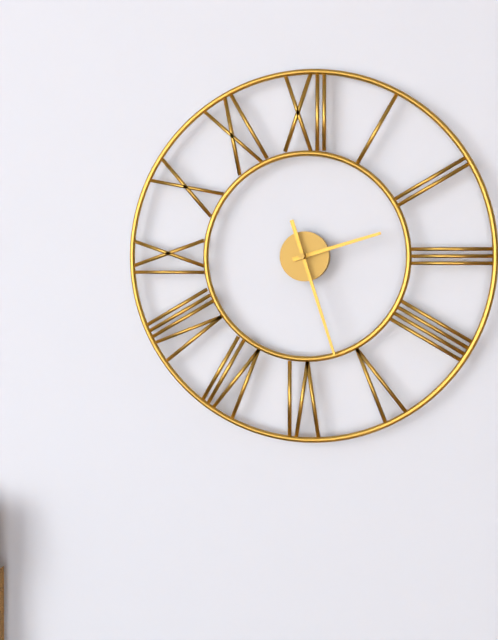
2:27
